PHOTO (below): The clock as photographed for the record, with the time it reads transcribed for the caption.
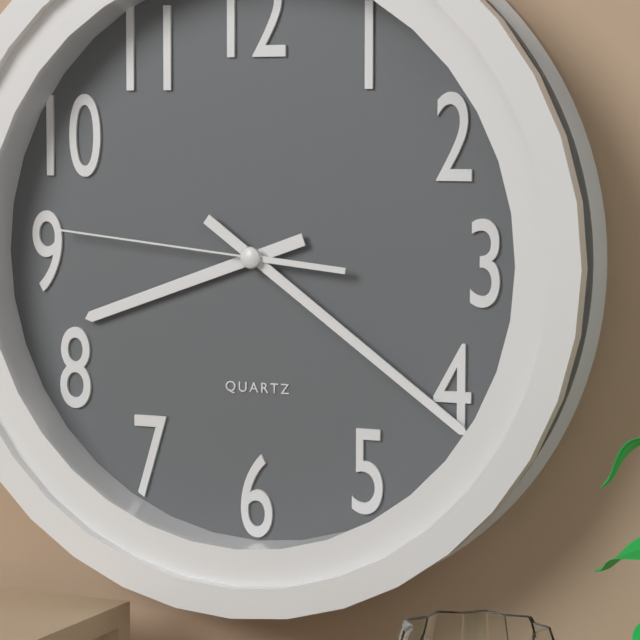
8:21:46
